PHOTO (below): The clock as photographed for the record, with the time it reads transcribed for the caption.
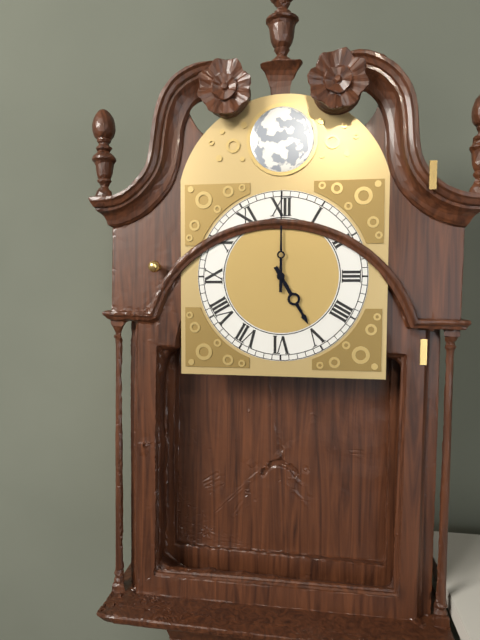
5:00
